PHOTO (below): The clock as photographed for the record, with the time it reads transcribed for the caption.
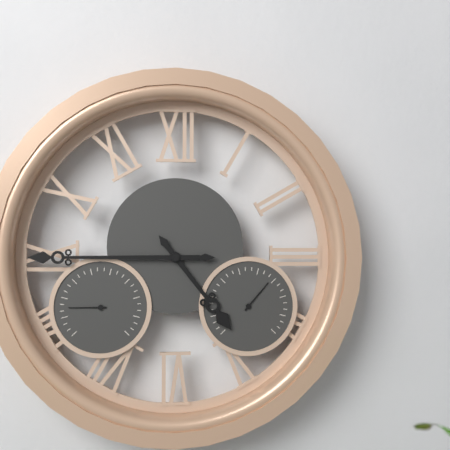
4:45
